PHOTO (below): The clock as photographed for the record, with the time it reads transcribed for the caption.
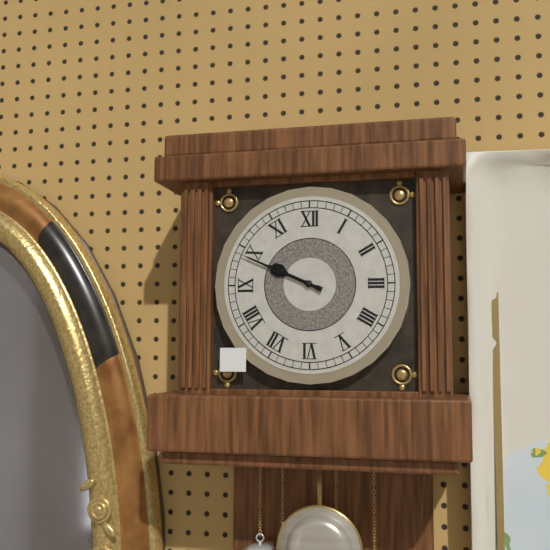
9:49
